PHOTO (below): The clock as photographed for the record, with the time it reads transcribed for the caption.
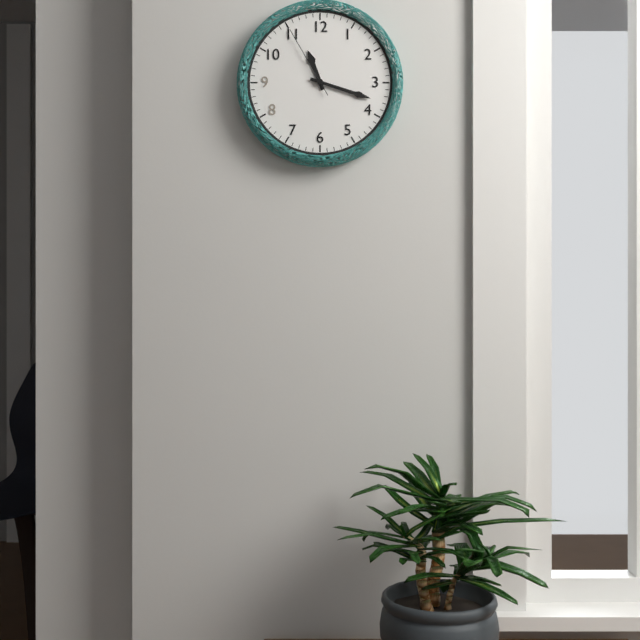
11:18:55
